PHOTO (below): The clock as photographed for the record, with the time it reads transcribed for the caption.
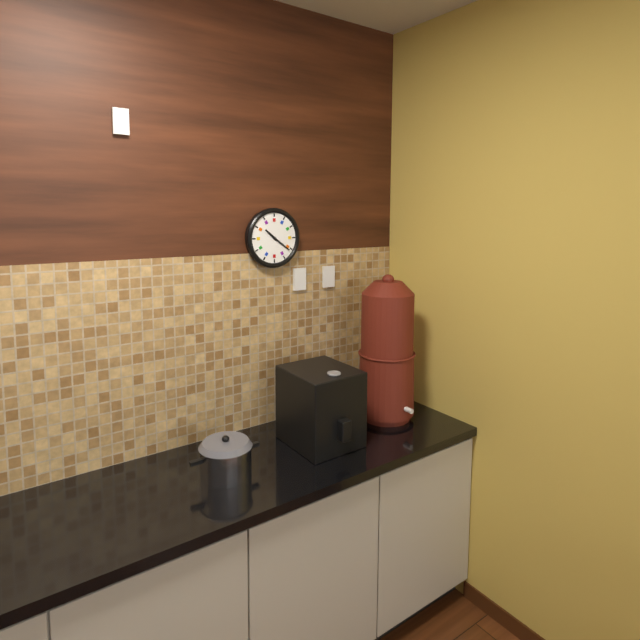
10:21
